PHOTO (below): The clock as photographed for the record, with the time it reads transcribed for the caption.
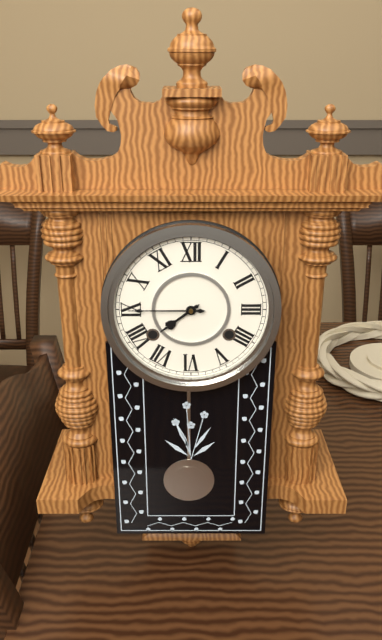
7:45
